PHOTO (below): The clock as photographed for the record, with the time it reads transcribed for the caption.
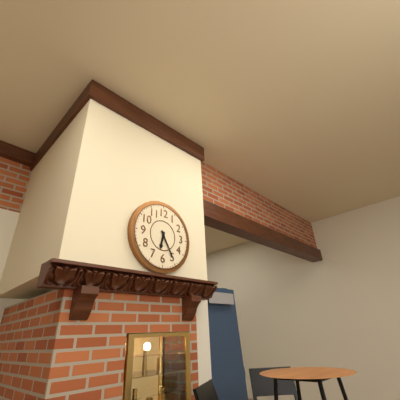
6:25
